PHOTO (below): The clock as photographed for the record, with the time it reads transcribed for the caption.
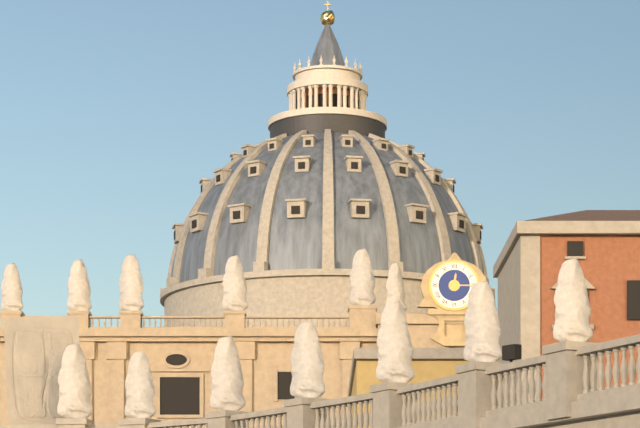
12:15
